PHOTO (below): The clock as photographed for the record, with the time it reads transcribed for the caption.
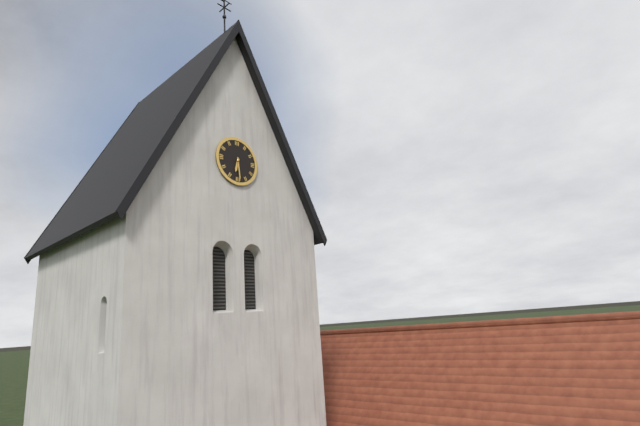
6:29
